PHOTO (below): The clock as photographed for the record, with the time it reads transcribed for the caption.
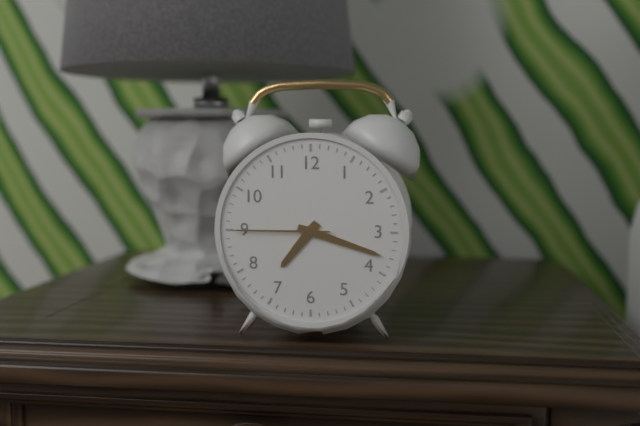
7:18:45
